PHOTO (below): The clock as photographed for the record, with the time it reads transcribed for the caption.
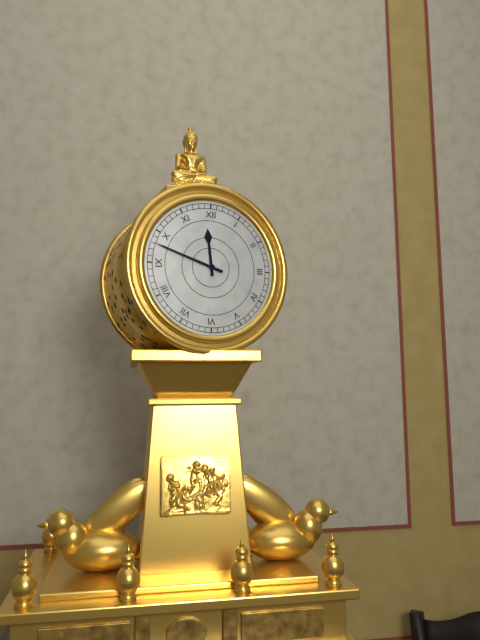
11:48
